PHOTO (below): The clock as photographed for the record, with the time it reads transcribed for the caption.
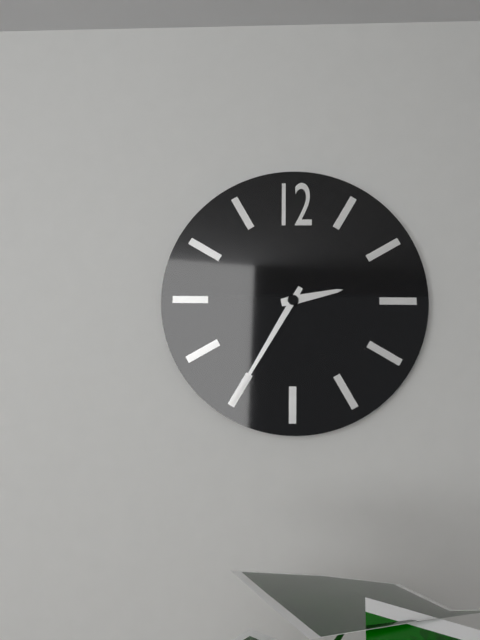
2:35
